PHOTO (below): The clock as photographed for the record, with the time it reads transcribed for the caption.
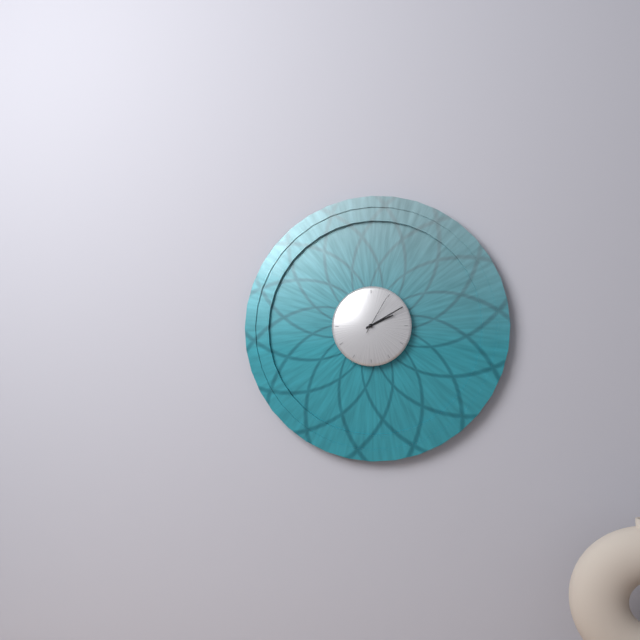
2:10
